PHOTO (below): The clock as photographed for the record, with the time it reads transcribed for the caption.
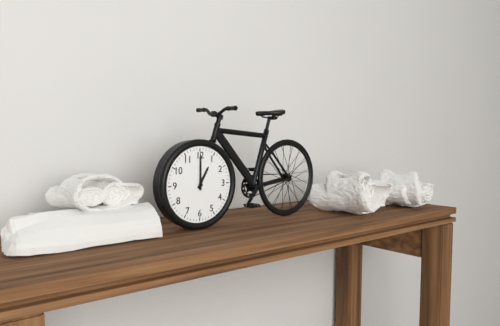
1:00
